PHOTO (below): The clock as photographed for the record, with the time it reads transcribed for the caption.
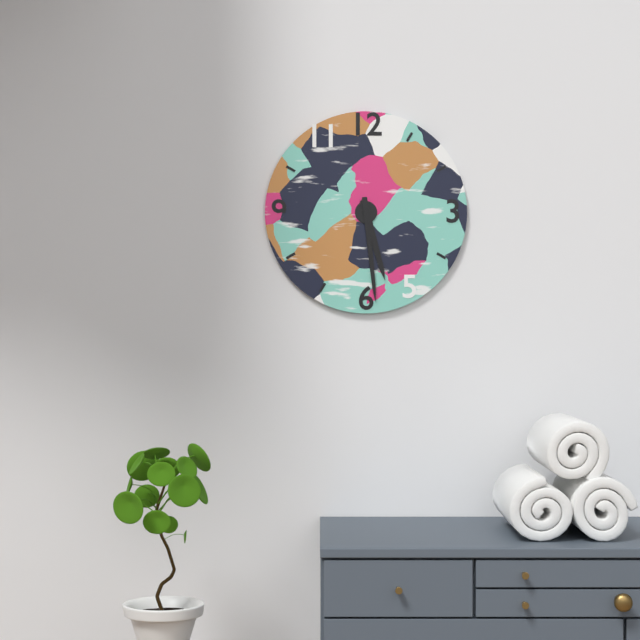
5:29
